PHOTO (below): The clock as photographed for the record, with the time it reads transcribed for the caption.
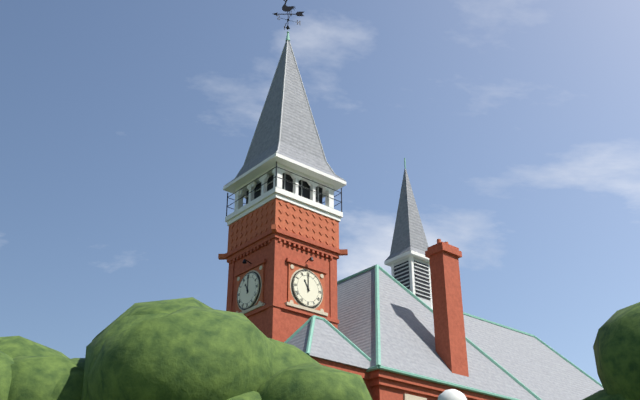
11:00
